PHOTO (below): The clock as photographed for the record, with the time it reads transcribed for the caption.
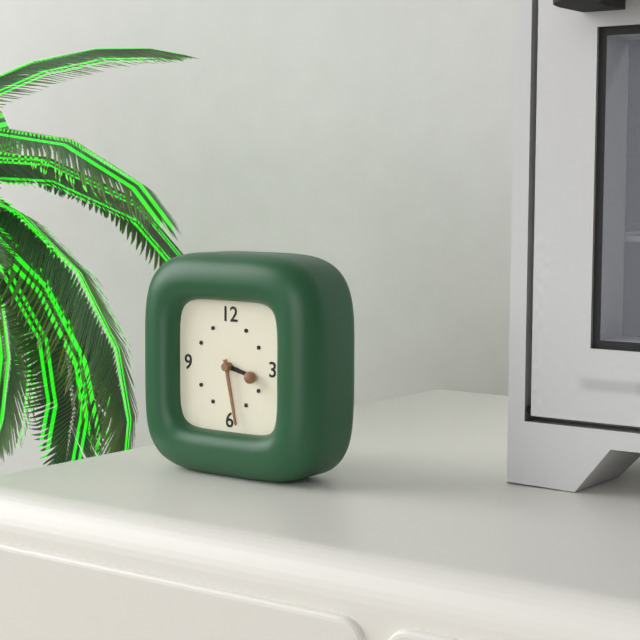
3:28
